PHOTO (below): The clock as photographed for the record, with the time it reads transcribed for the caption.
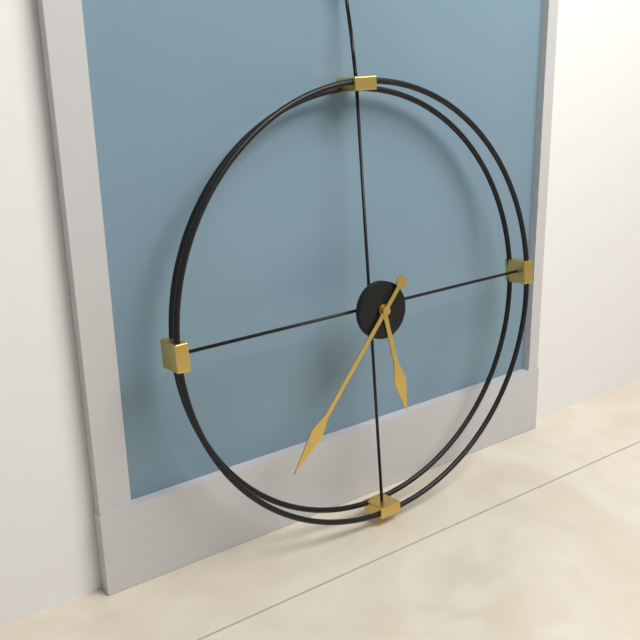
5:37
